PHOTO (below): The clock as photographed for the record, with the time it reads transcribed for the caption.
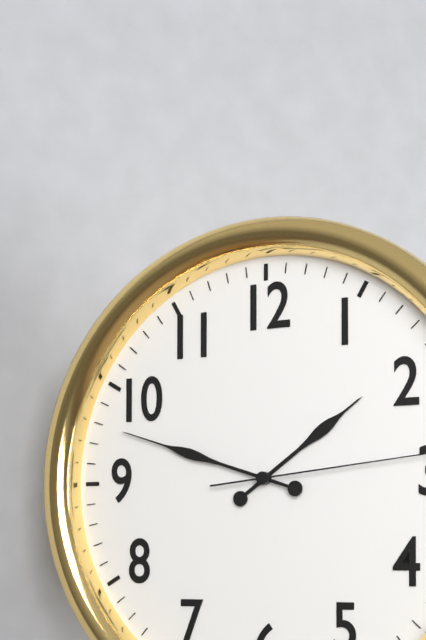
1:48
